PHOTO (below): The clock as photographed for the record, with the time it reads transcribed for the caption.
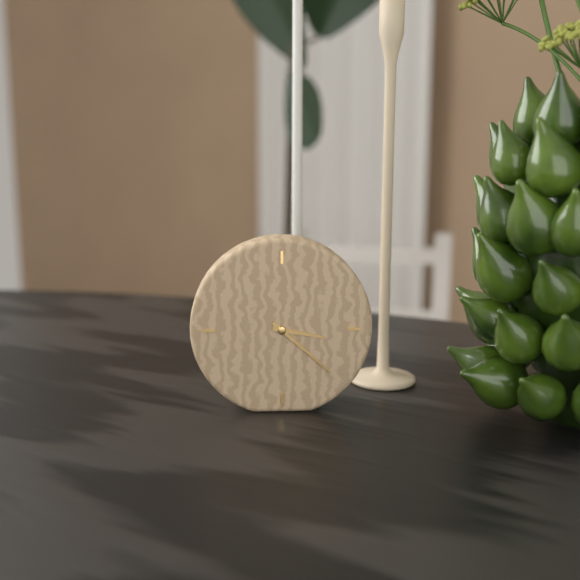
3:22
